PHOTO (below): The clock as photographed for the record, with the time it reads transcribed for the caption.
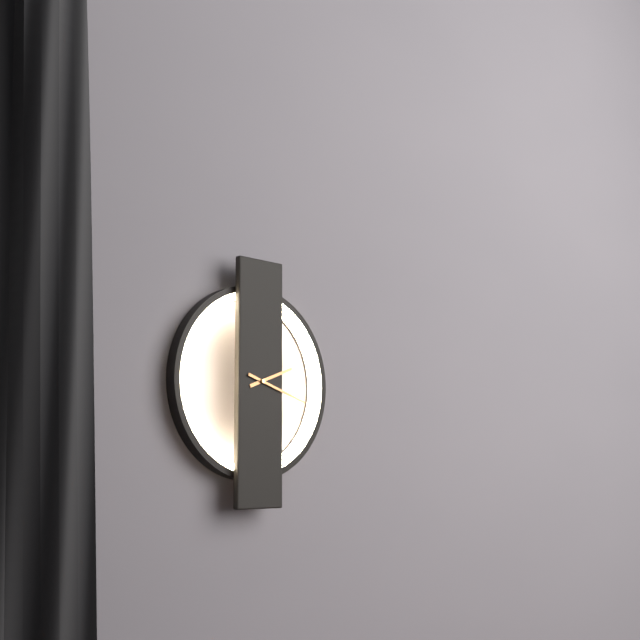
2:18
